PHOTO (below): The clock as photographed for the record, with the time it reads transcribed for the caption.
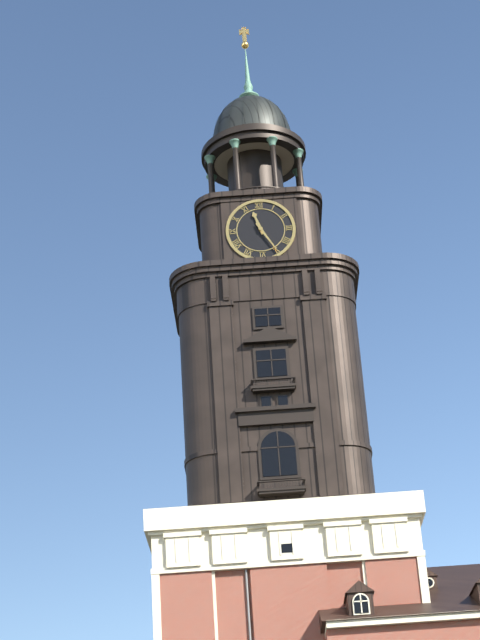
11:25
